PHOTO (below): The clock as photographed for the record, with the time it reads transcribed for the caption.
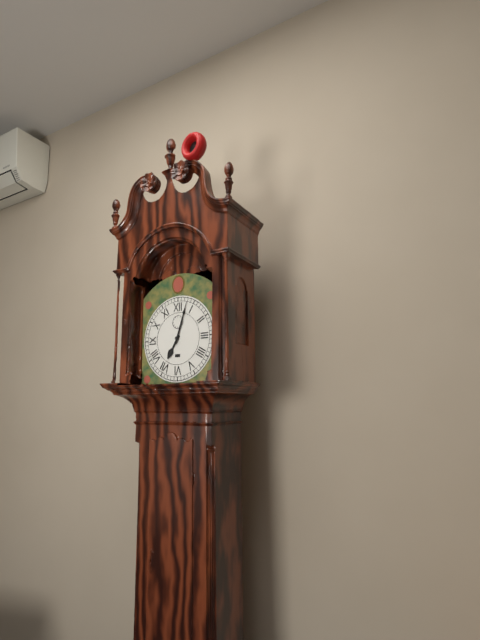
7:03
